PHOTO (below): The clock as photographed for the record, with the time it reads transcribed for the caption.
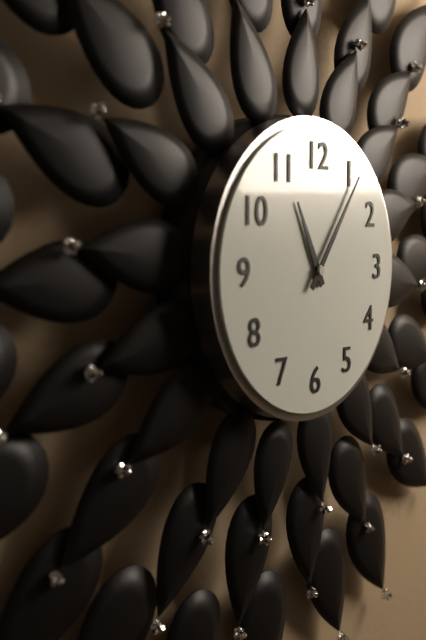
11:06
